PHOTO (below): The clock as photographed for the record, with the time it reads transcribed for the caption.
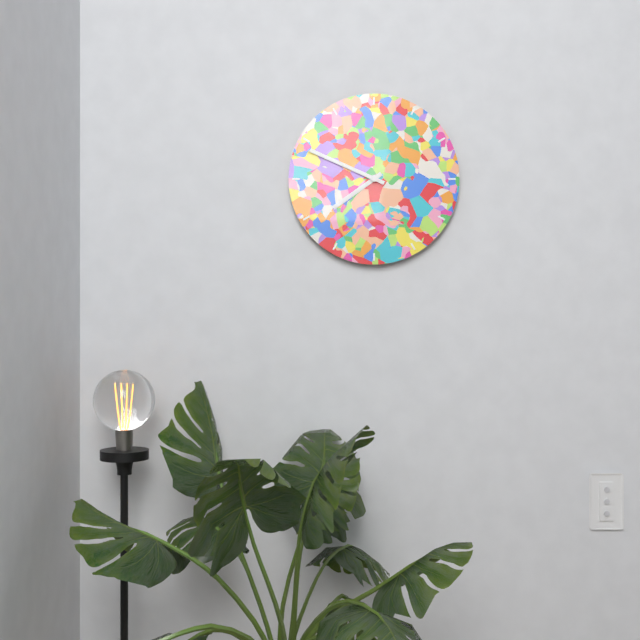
7:49
